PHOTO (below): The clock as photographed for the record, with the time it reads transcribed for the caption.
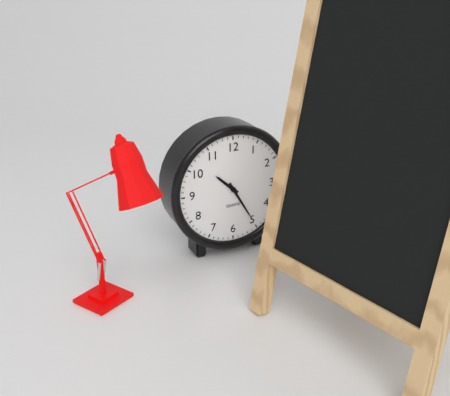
10:25
